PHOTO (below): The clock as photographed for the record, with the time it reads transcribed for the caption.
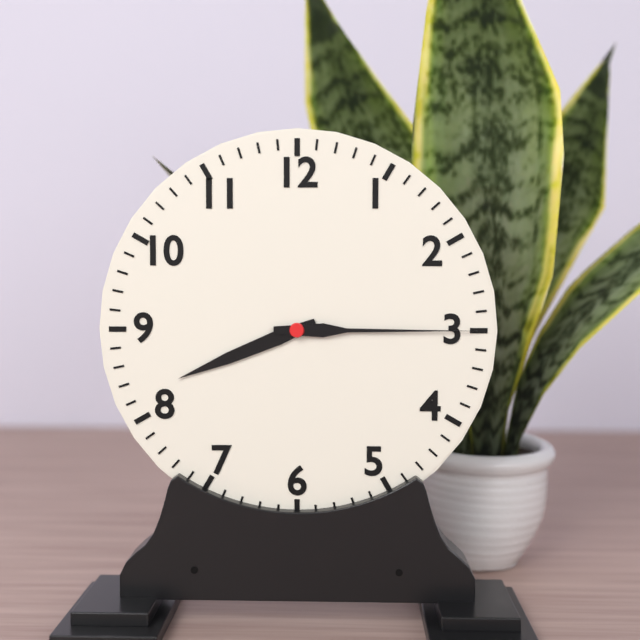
8:15
